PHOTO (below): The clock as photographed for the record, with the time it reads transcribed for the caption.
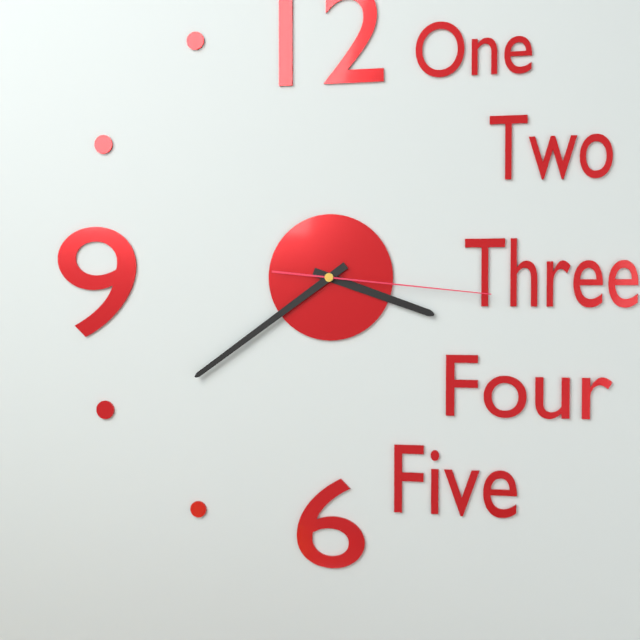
3:39:16
